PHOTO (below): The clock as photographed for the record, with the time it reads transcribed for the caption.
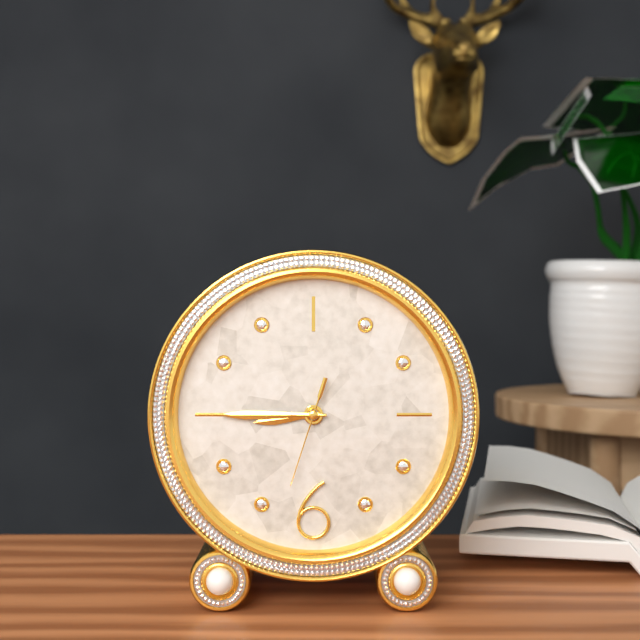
8:45:33
